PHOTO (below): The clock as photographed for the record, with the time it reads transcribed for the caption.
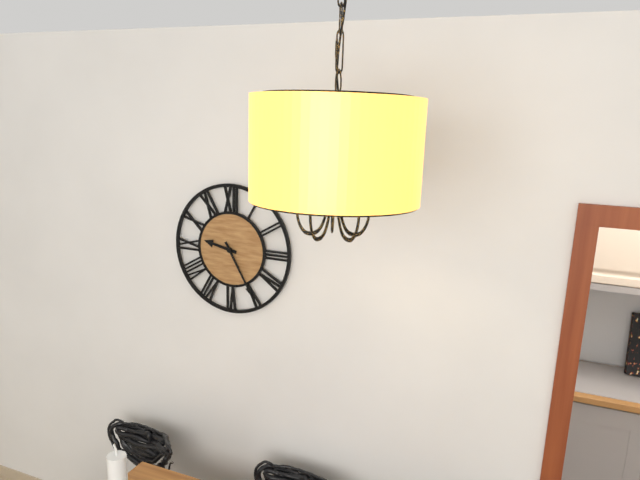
9:25
